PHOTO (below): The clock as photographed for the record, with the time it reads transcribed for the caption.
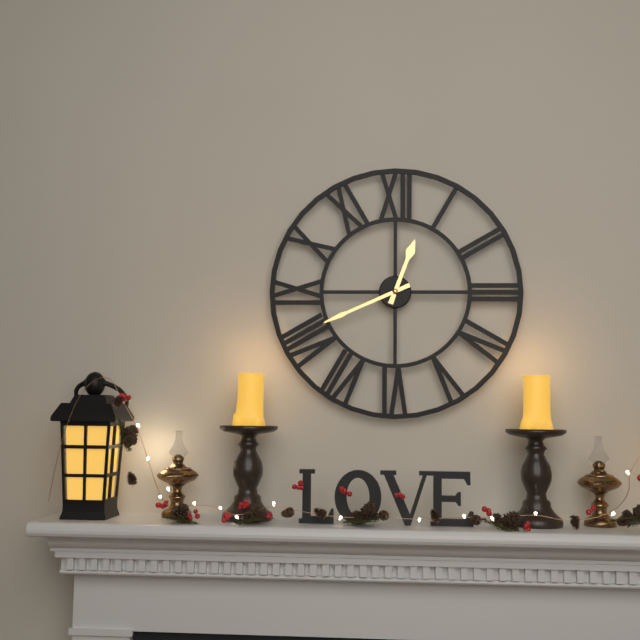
12:41
